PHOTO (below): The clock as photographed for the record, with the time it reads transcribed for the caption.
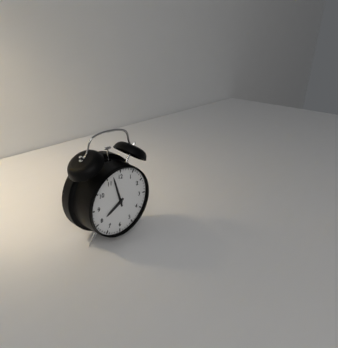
7:57
